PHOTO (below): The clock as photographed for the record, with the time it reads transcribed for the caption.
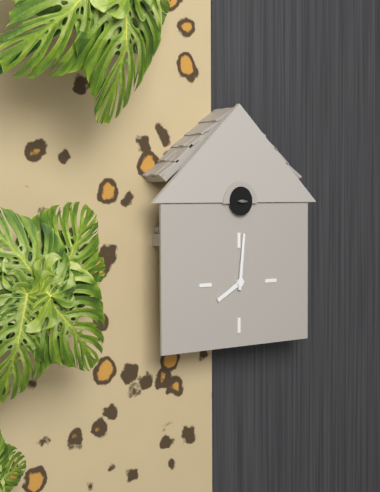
8:01
